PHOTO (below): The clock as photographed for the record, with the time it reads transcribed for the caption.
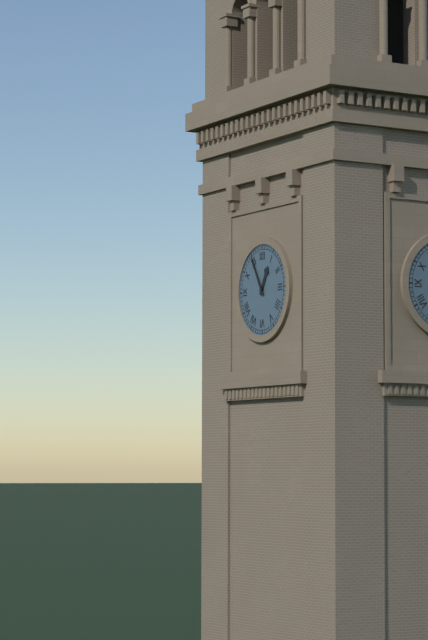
12:55
